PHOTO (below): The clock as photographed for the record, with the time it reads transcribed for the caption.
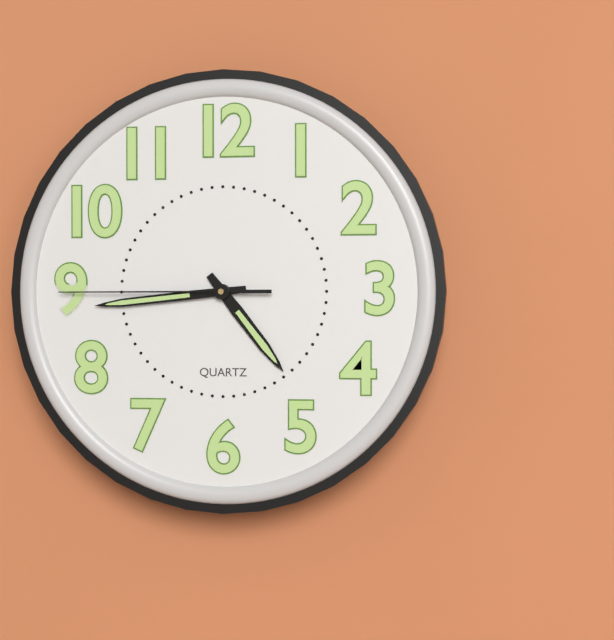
4:44:45
